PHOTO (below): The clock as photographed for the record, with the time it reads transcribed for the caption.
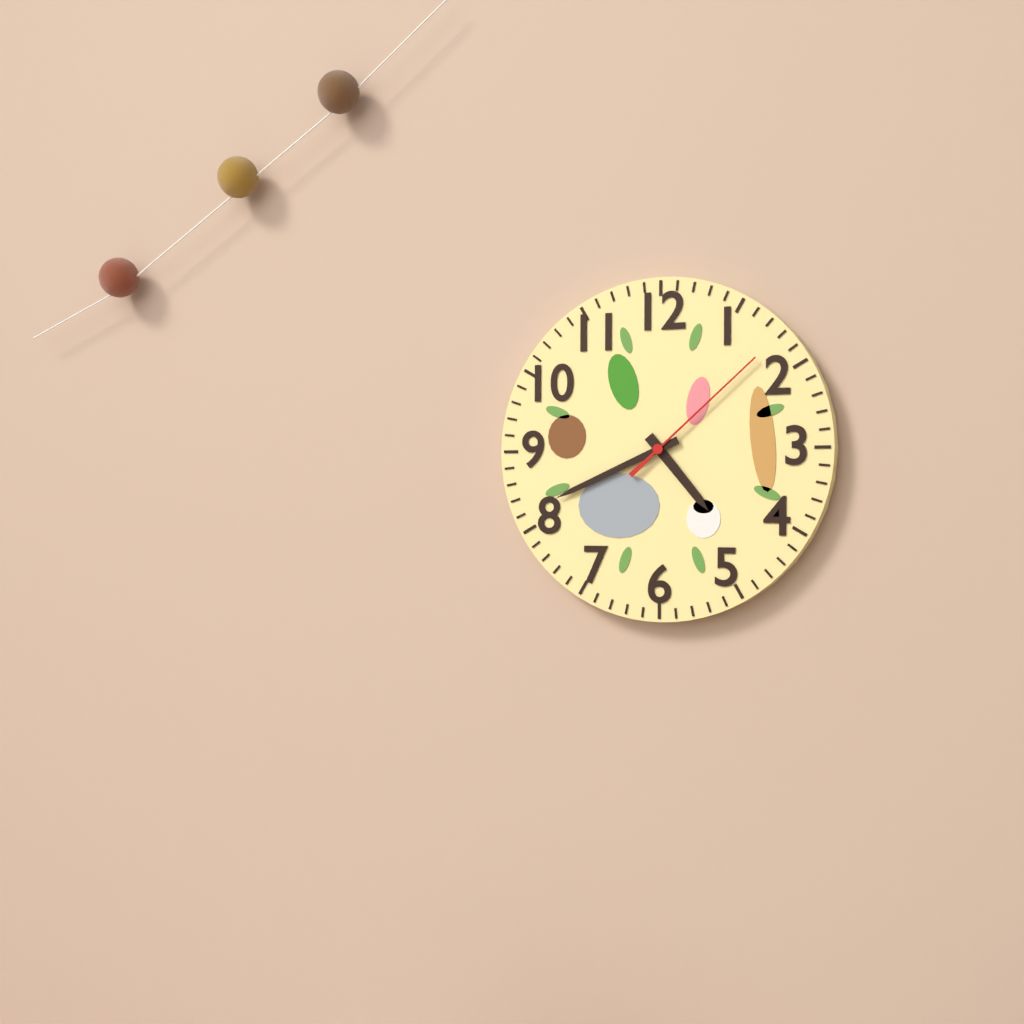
4:41:08
